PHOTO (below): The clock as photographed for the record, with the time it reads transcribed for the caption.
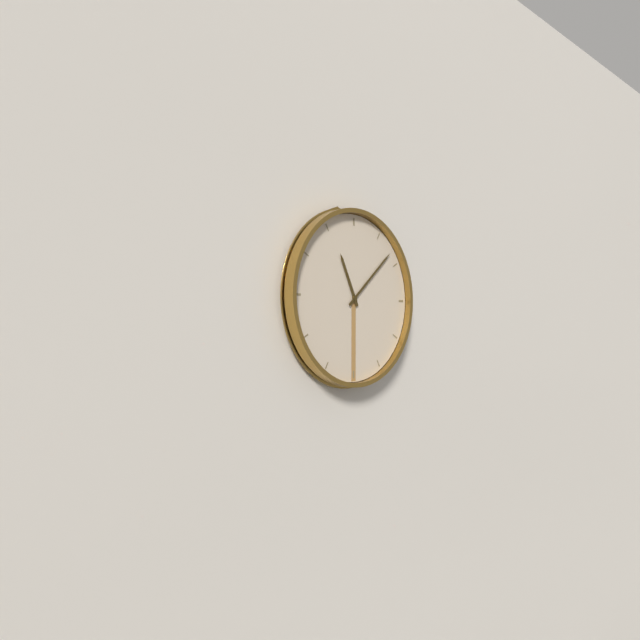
11:08
